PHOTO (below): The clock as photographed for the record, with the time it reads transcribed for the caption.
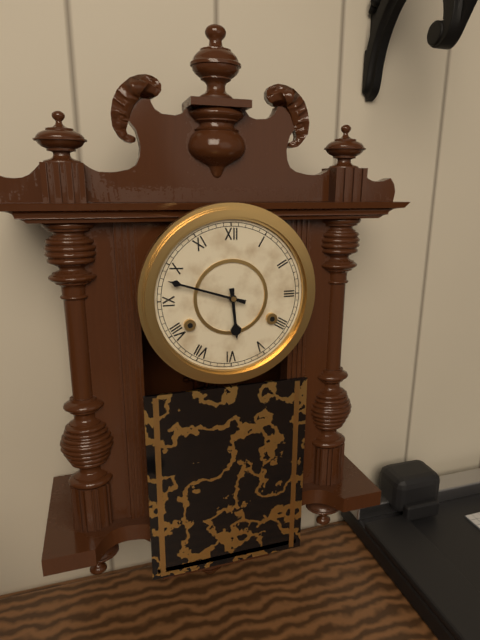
5:48
